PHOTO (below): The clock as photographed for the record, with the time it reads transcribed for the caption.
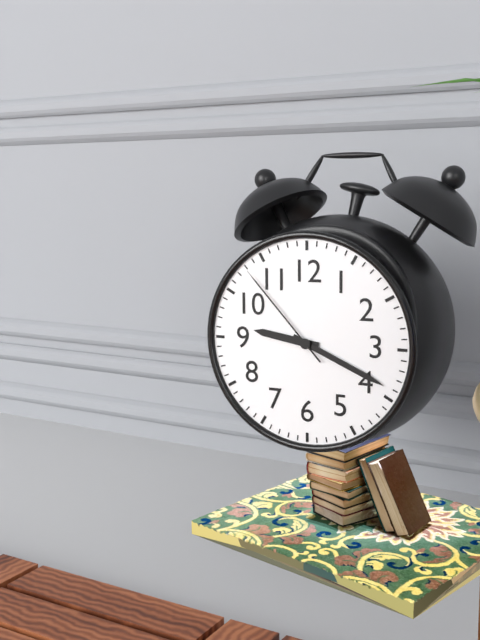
9:19:53
